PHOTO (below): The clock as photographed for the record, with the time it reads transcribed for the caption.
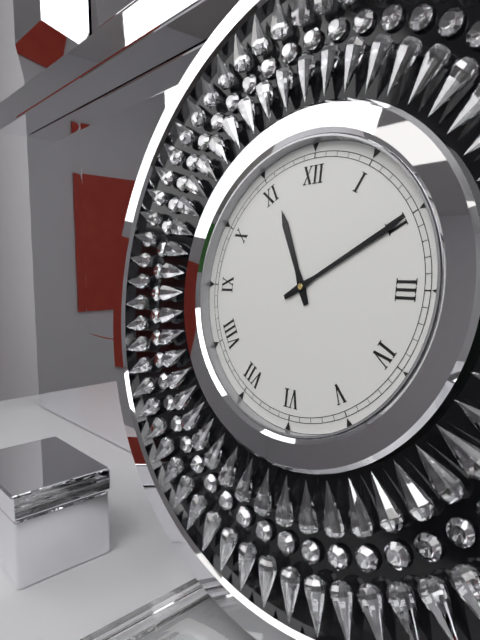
11:10
